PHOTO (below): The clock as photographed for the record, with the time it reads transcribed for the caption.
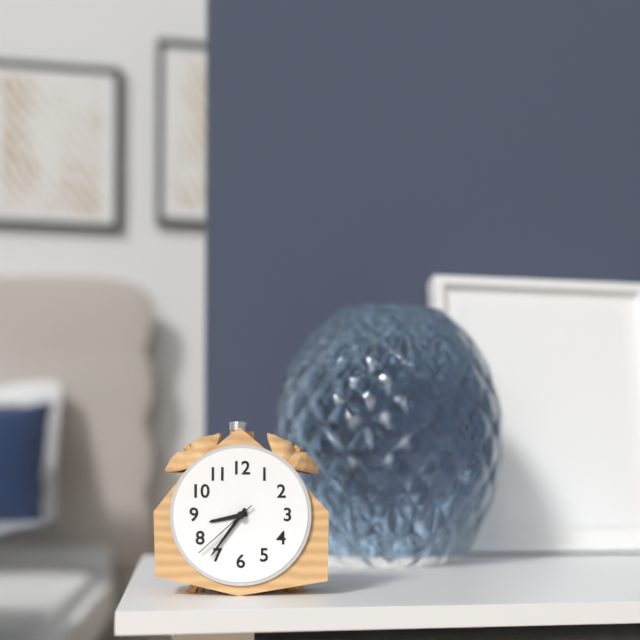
8:36:38
